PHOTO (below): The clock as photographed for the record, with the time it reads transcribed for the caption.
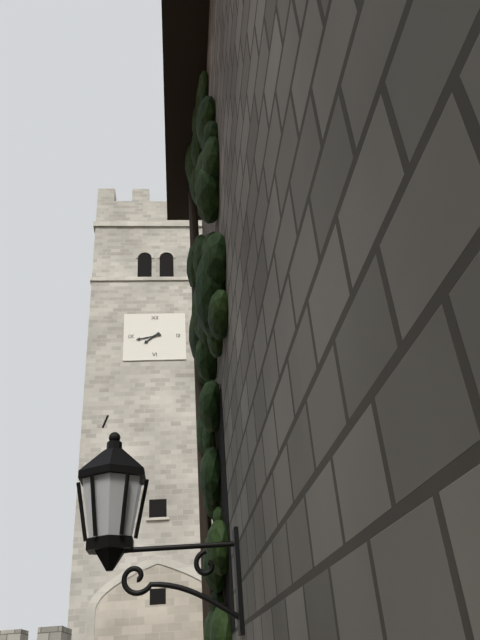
7:43
